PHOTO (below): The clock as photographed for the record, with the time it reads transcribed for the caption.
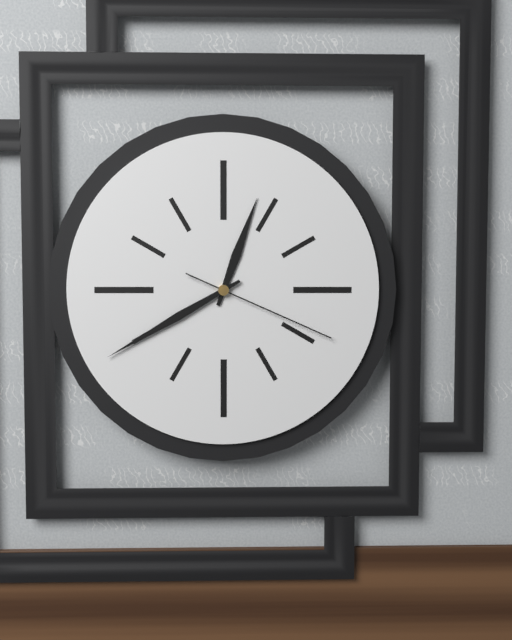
12:40:19
